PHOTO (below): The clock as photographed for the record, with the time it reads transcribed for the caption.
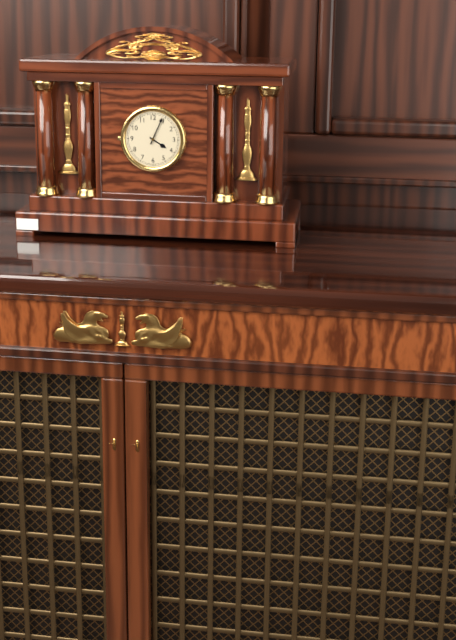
4:04
